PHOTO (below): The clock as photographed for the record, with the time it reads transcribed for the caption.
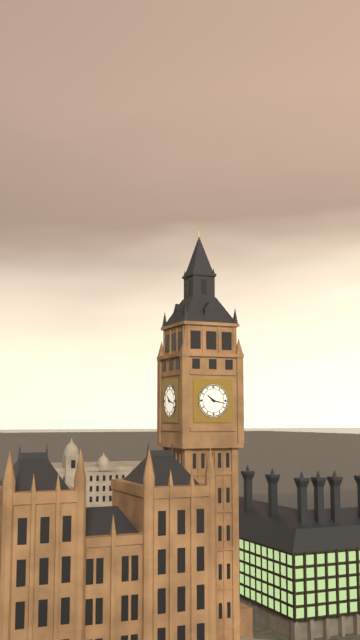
10:17
